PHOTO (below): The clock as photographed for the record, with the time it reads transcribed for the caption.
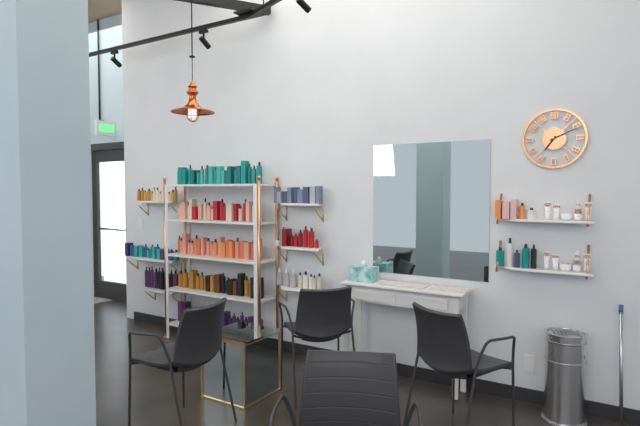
7:11
